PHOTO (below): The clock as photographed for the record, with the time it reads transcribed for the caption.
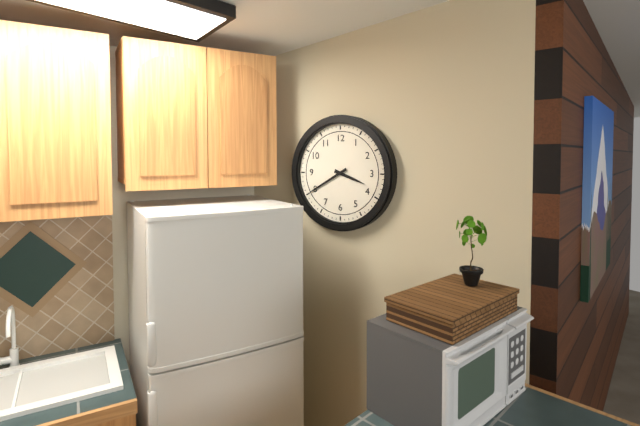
3:40
